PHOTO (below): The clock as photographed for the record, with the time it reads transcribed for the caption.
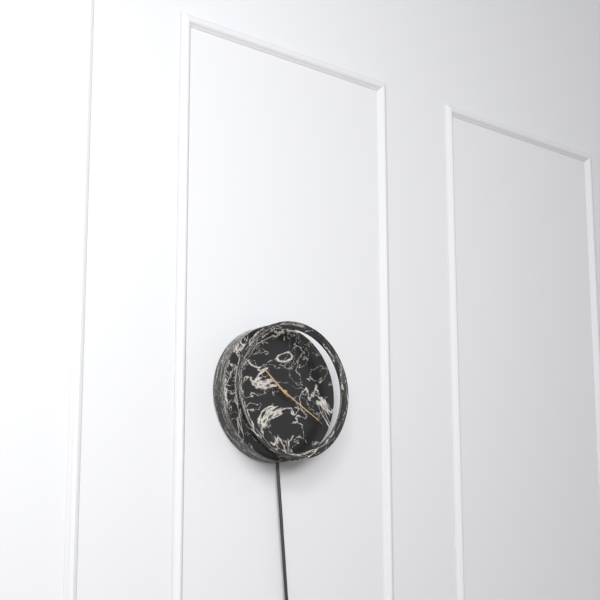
10:20
